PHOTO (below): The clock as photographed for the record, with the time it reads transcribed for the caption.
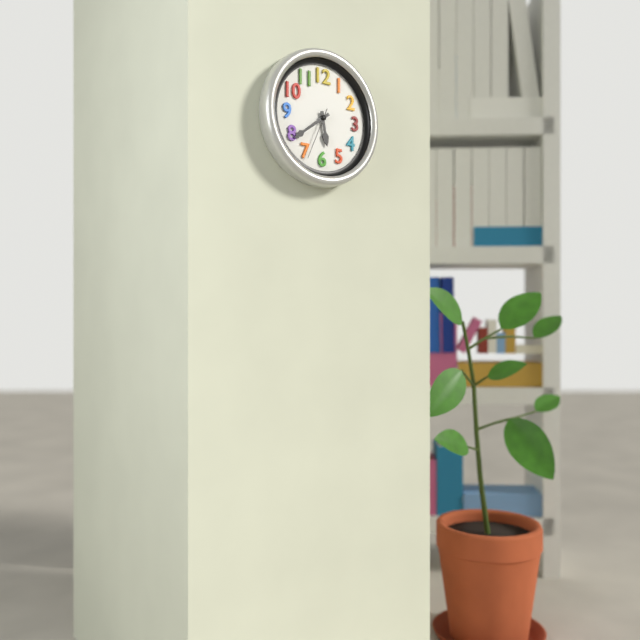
5:39:34
